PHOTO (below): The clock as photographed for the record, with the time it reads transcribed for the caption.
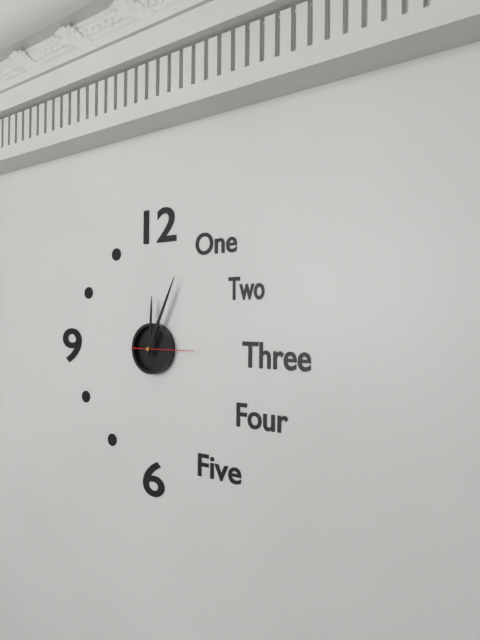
12:04
